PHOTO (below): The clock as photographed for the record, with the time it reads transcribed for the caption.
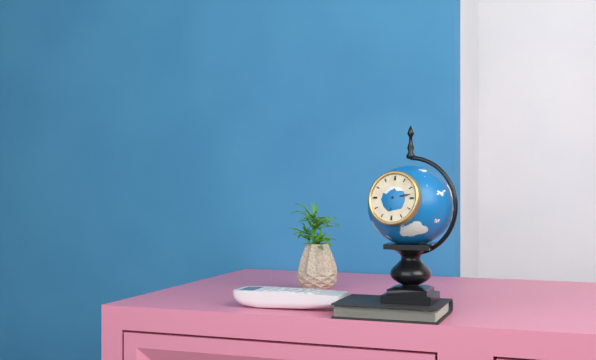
6:13
